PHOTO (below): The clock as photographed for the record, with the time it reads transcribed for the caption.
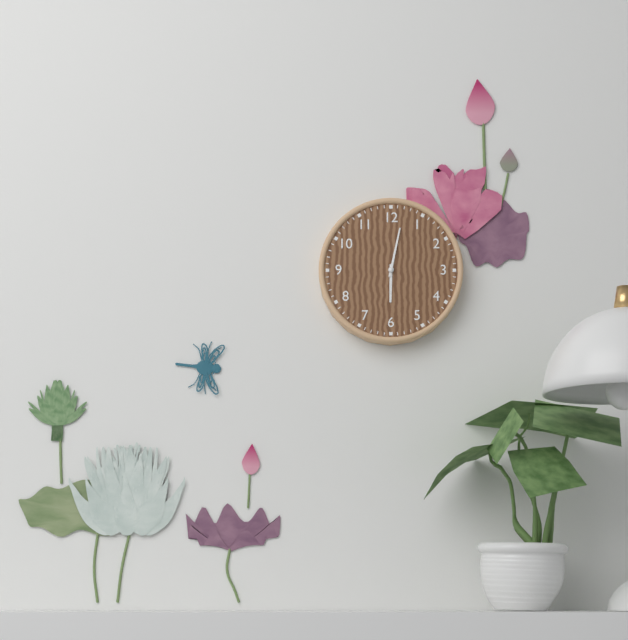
6:02
